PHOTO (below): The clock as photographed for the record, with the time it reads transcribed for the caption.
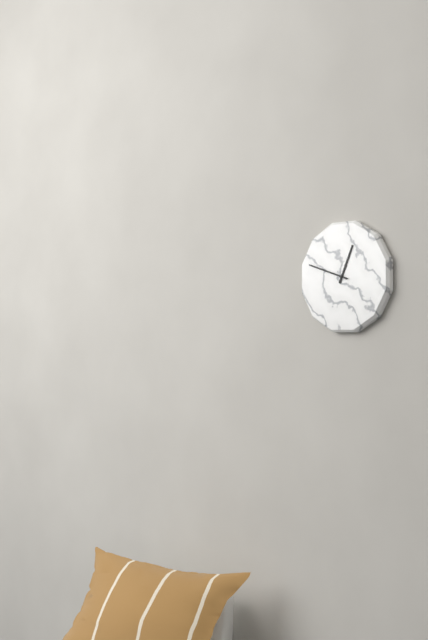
12:48
